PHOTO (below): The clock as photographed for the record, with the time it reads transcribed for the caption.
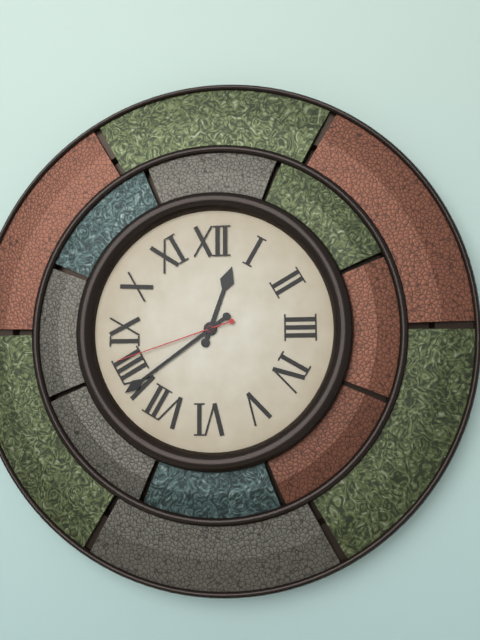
12:39:42
